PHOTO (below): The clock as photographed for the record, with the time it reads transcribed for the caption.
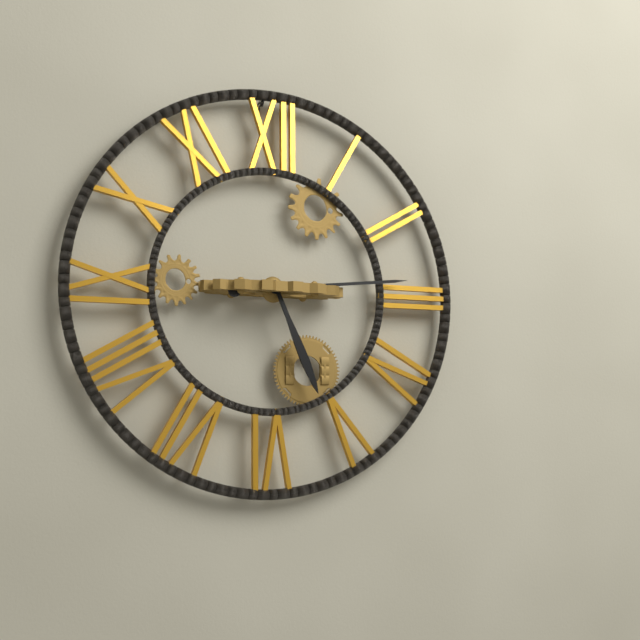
5:14
